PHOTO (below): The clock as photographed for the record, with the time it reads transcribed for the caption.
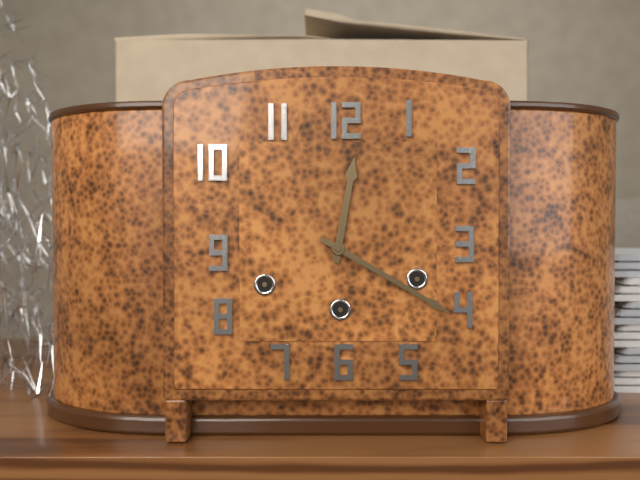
12:20
